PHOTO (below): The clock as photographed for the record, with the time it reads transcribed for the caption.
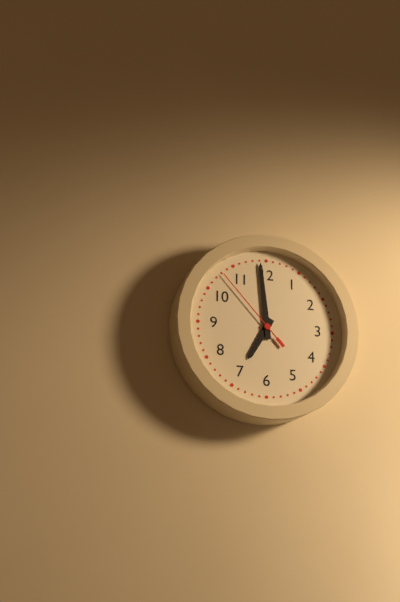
6:59:53
